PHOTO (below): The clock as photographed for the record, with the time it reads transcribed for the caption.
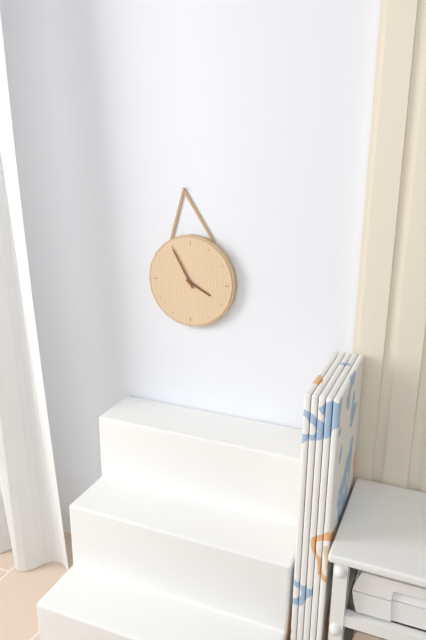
3:55
